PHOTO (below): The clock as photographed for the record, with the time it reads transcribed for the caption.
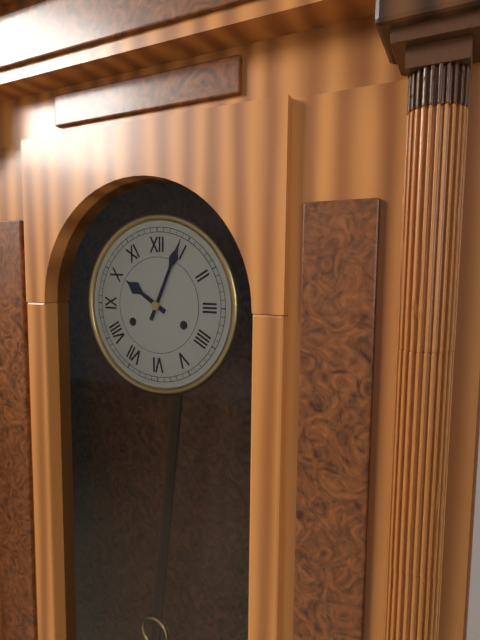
10:04
